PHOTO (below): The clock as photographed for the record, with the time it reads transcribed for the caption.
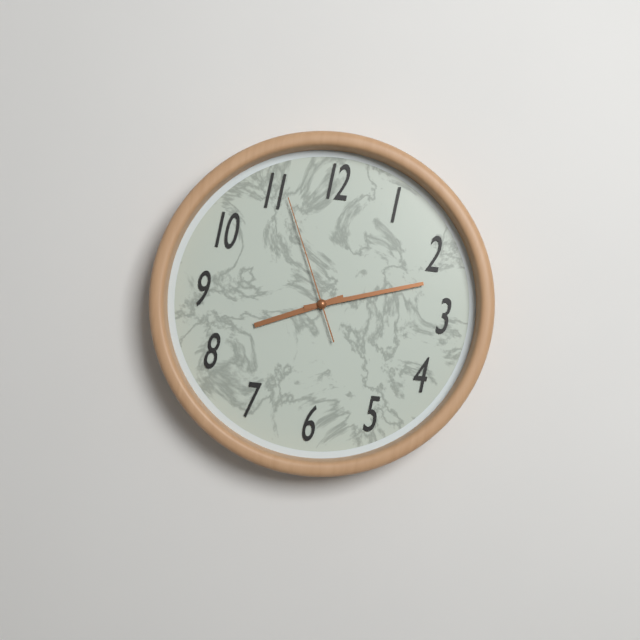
8:12:56
